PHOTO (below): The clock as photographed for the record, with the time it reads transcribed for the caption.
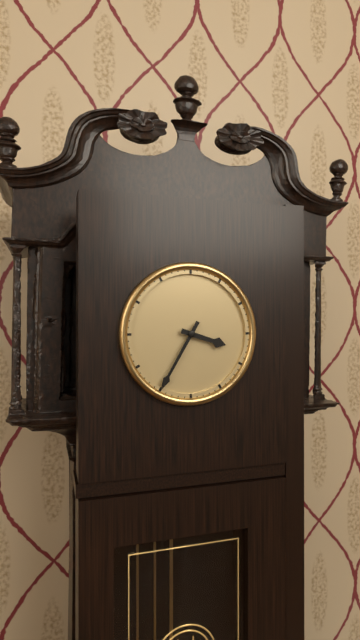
3:35
